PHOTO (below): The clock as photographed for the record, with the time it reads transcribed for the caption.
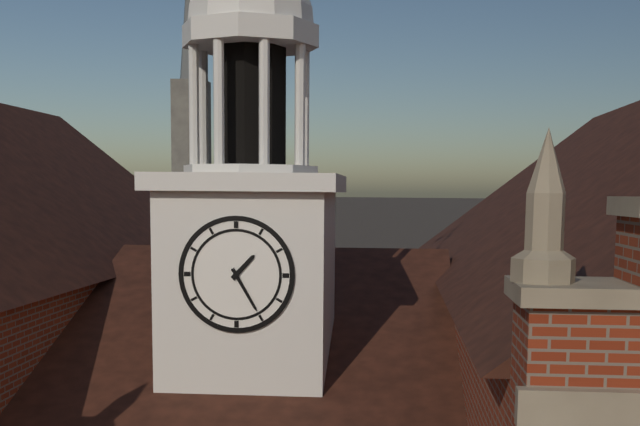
1:25
